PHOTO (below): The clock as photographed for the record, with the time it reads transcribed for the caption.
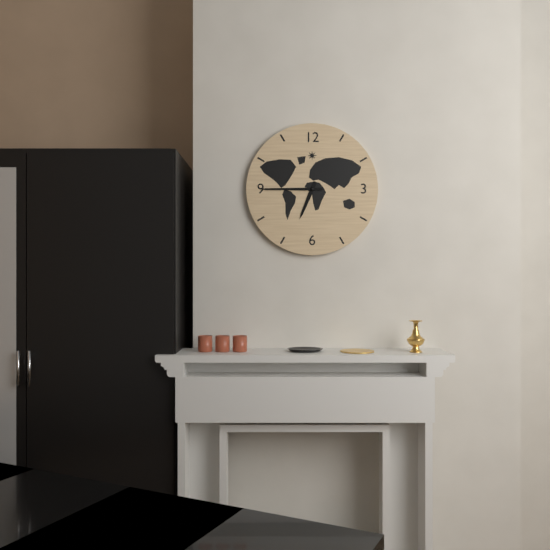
6:45
